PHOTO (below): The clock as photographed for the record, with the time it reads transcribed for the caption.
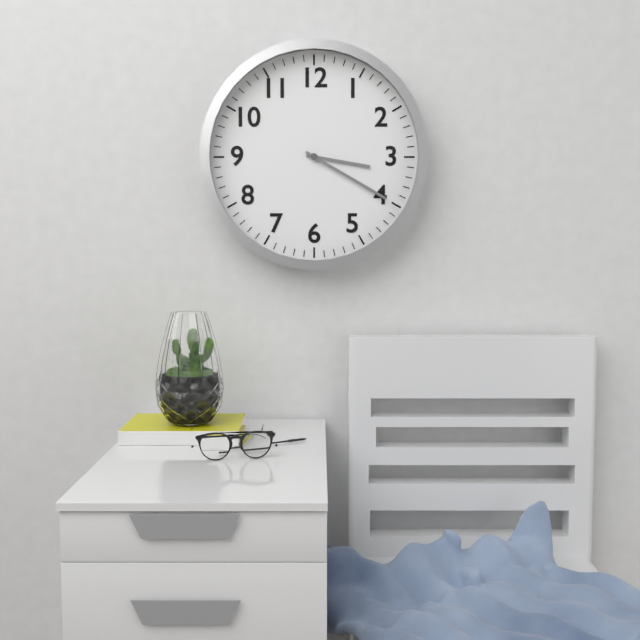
3:20
